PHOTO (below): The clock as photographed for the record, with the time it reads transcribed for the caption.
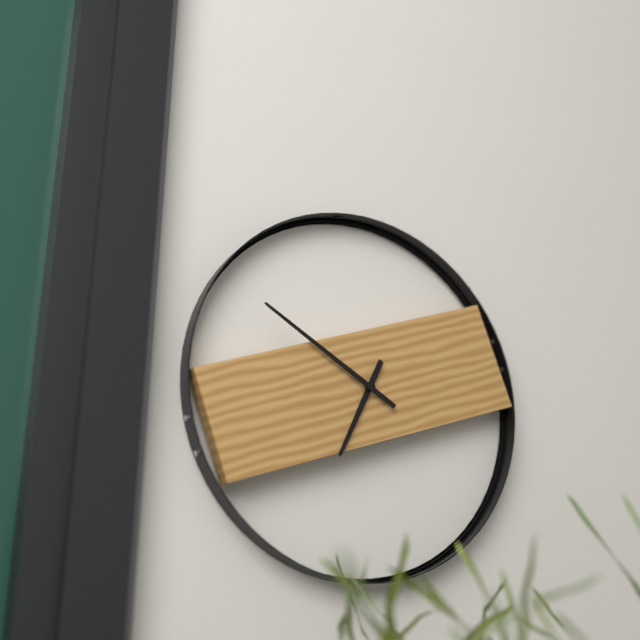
6:50
